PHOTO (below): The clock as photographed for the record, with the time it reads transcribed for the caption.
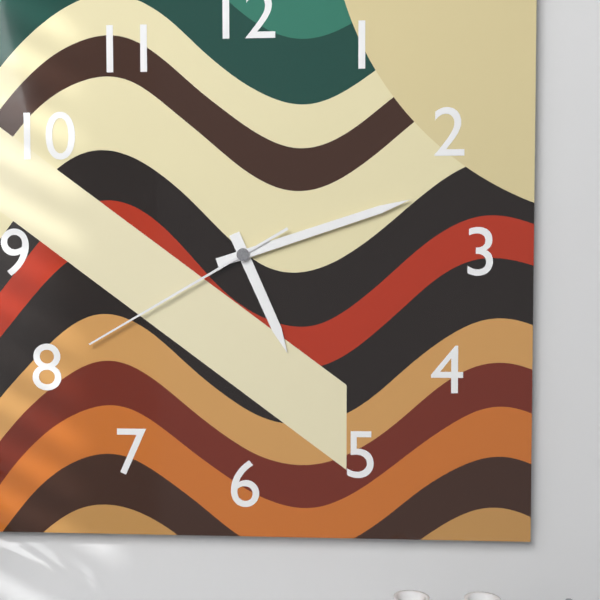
5:12:40
